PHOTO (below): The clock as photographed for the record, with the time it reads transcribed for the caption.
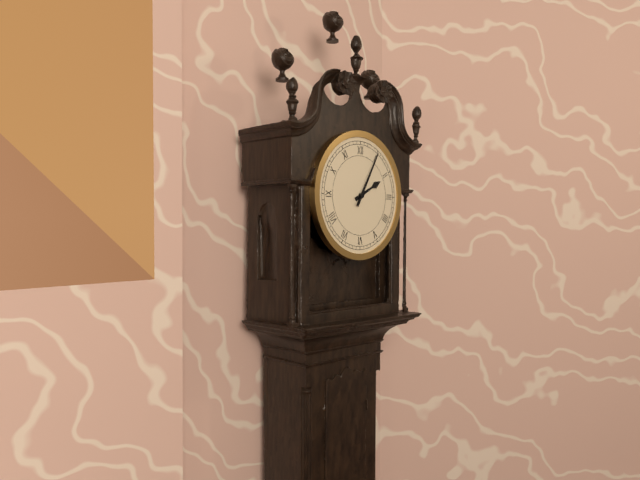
2:05
